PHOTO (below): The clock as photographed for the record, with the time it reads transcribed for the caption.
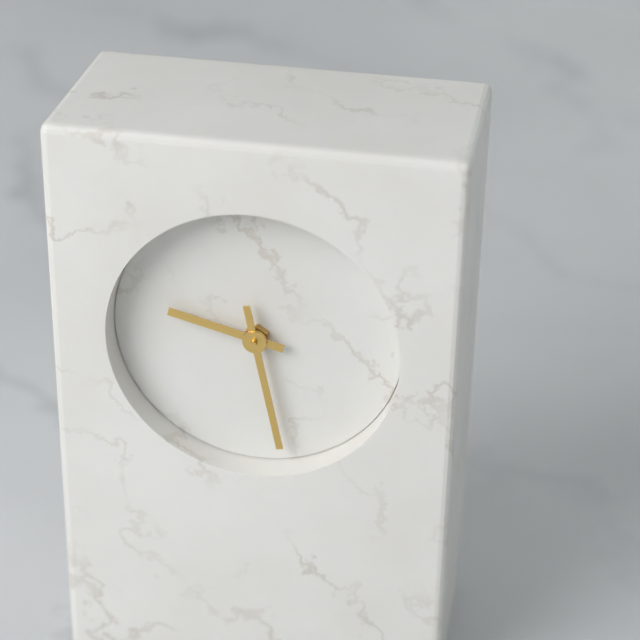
9:28
